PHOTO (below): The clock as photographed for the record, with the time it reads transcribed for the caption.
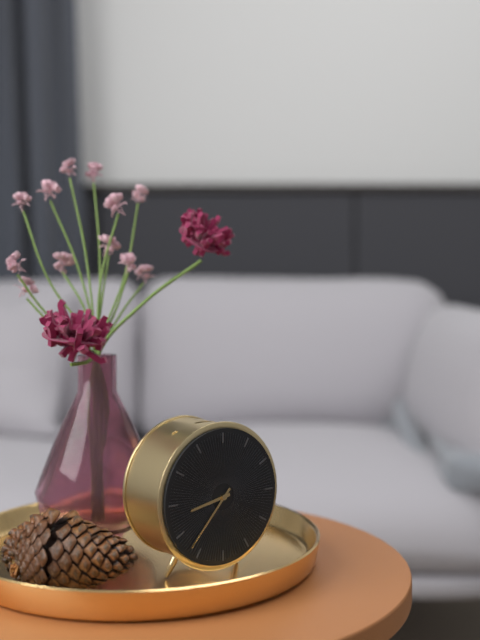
8:37
